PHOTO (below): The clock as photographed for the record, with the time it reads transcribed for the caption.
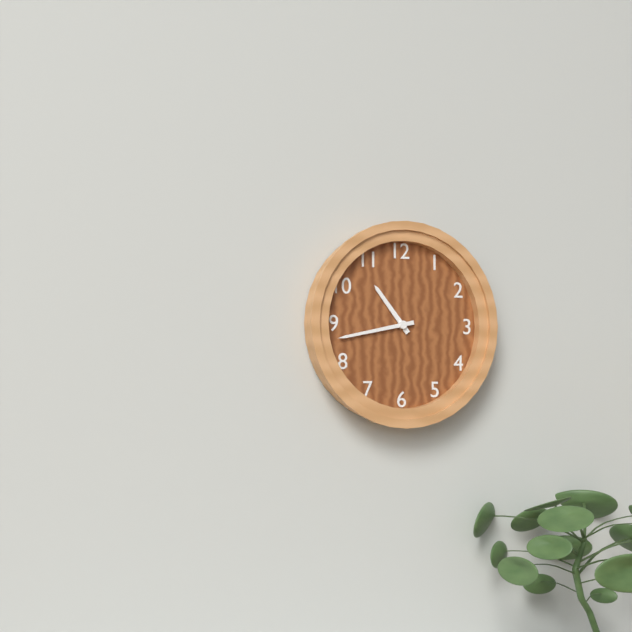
10:43
